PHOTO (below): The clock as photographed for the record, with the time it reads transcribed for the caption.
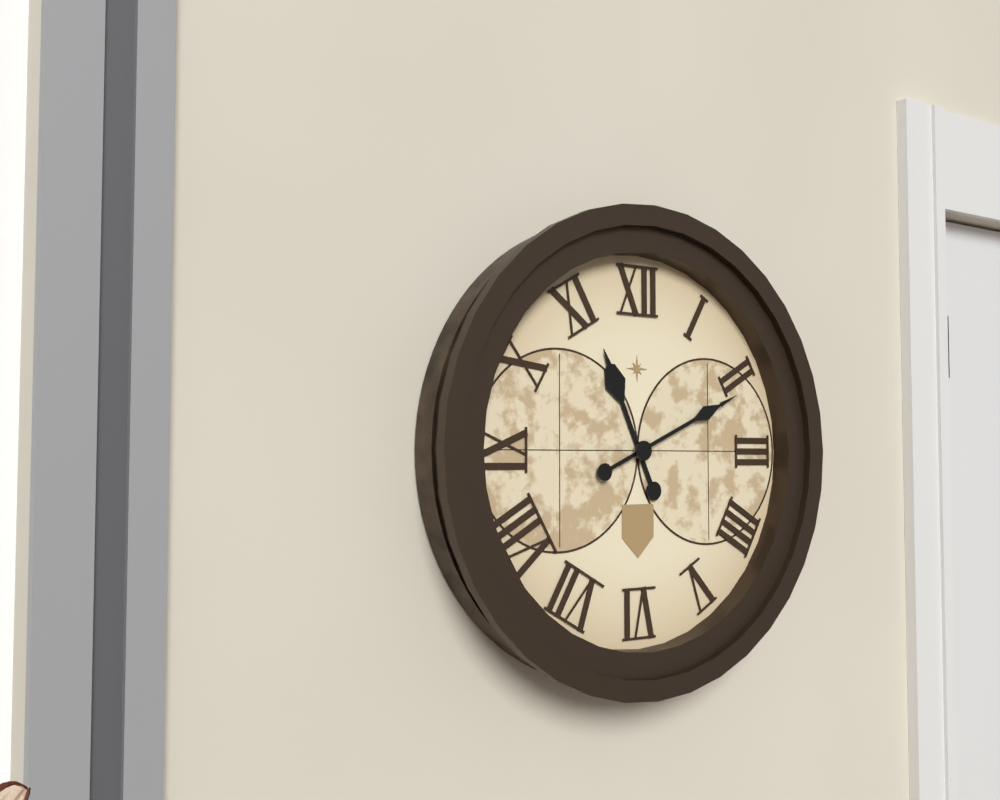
11:11
